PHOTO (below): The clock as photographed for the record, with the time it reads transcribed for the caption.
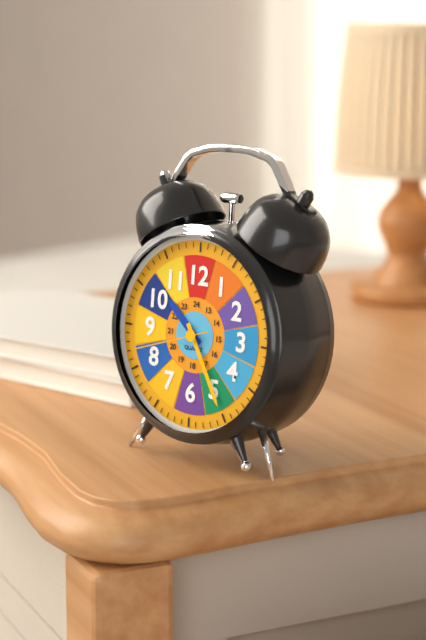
10:25:42
